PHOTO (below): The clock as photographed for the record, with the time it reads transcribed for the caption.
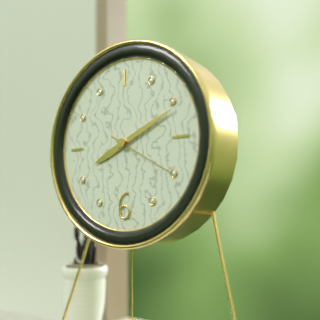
8:11:20
